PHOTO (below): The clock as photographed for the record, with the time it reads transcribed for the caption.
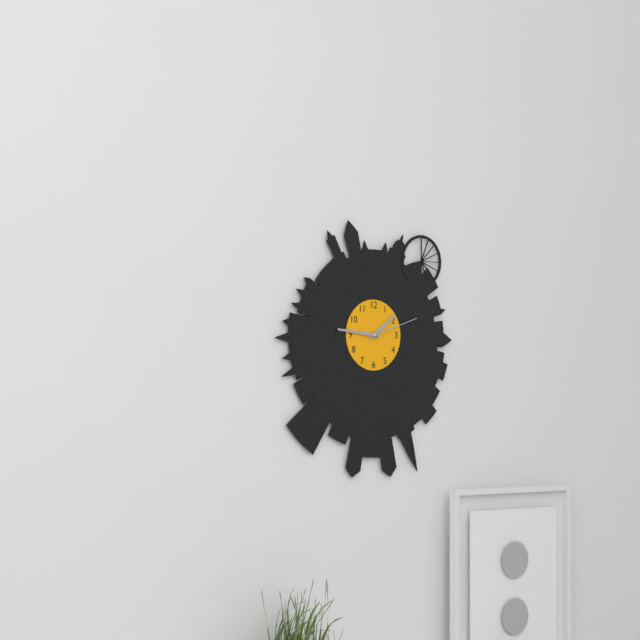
1:46:12
